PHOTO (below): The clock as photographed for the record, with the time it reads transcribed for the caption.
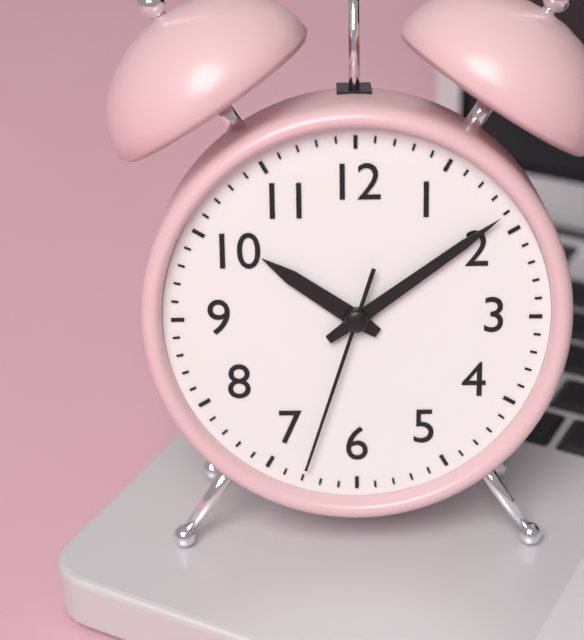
10:09:33
